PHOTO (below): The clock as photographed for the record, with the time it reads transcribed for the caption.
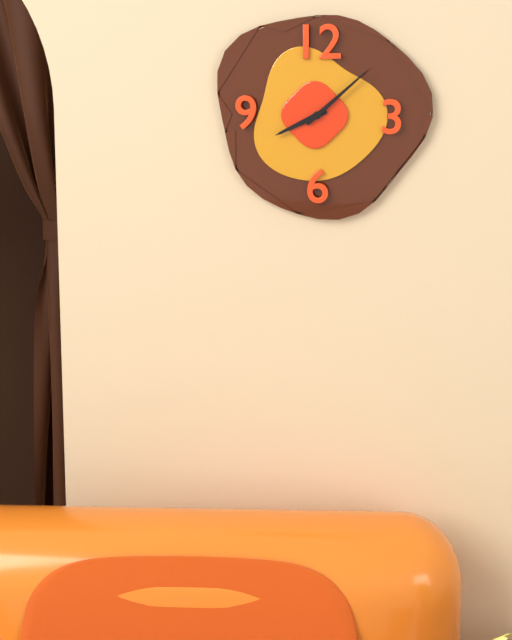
8:08
